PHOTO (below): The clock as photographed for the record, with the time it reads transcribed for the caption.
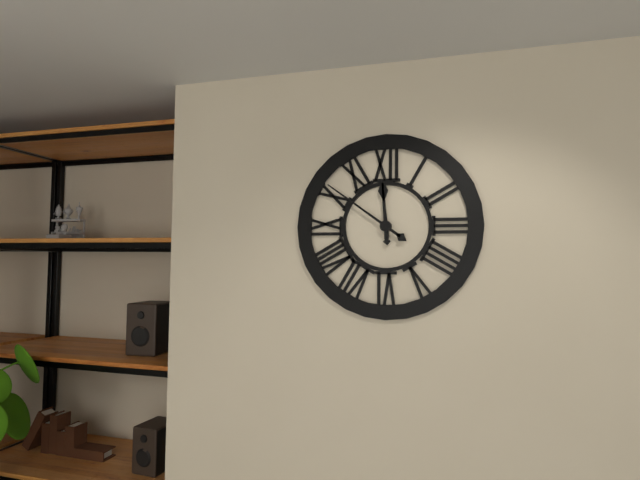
11:51
